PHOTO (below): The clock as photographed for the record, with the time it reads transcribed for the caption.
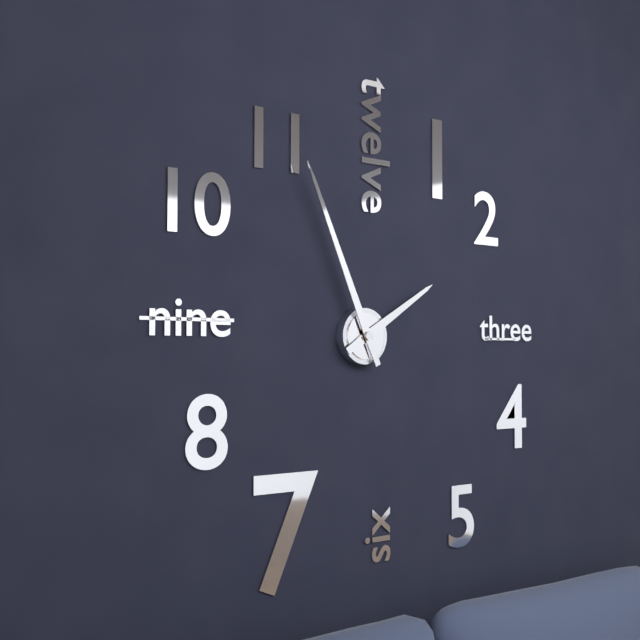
1:56
